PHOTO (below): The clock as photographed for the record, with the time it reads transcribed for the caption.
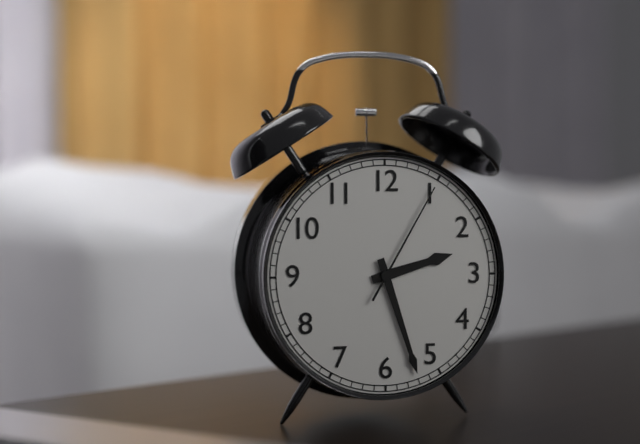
2:27:05
